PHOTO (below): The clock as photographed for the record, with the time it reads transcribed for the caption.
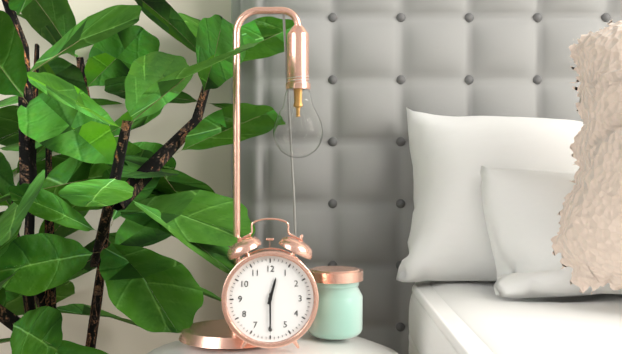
12:30
